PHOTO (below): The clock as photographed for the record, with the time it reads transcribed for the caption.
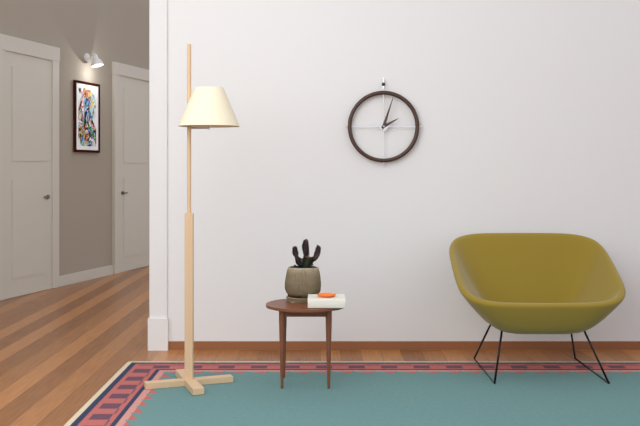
2:03
